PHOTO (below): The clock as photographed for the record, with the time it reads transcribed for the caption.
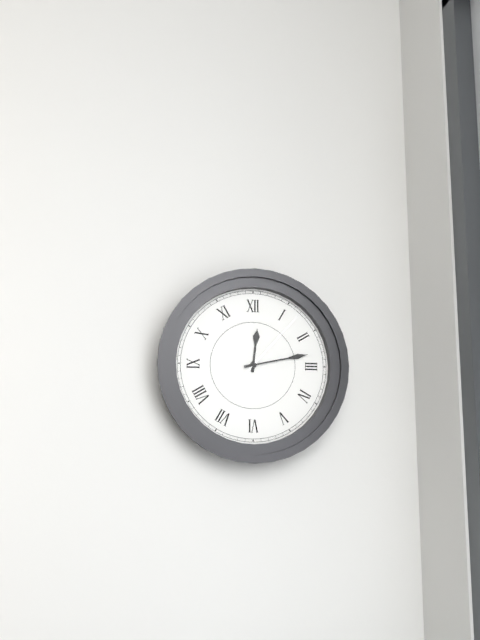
12:13:07
